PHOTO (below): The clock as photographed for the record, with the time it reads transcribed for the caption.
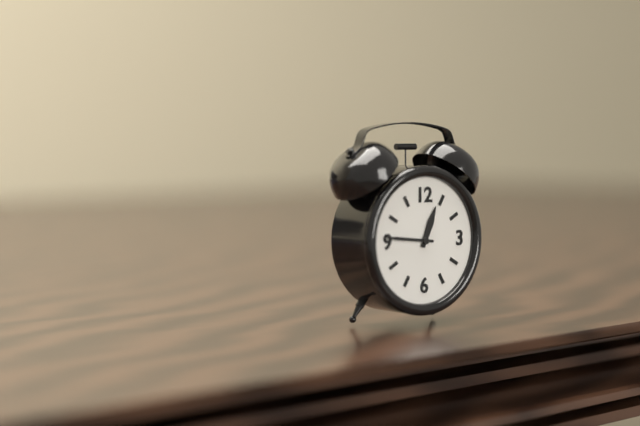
12:46
